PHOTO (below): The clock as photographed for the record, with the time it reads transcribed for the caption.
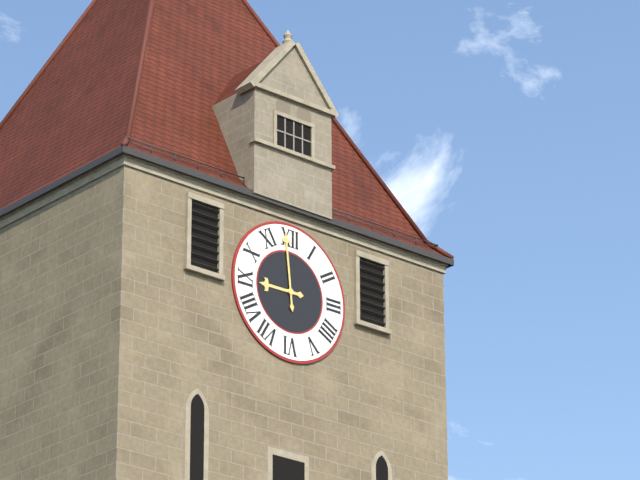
8:59
